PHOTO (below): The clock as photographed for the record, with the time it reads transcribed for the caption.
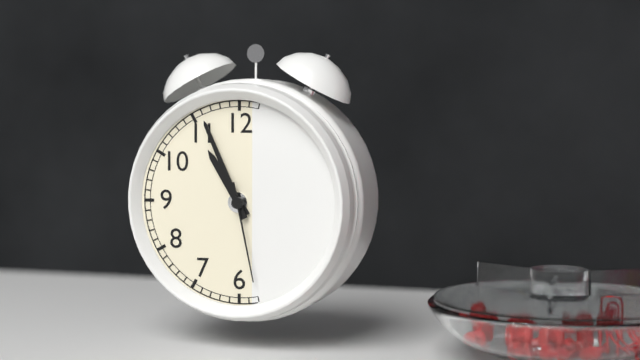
10:56:28
